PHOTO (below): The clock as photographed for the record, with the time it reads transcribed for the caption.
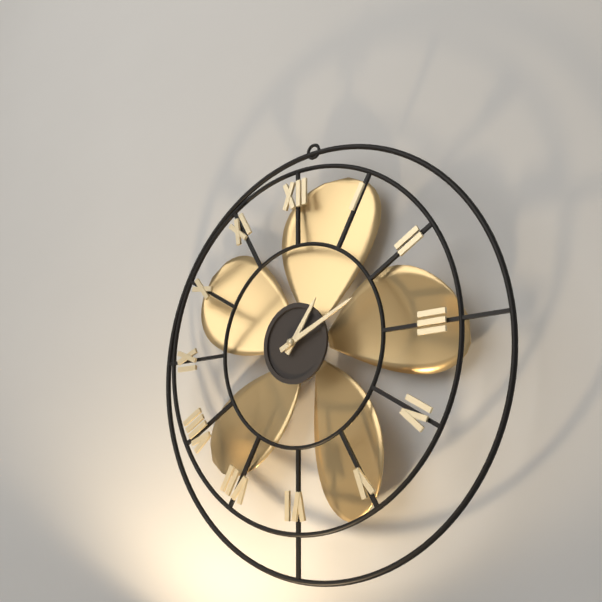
1:11
